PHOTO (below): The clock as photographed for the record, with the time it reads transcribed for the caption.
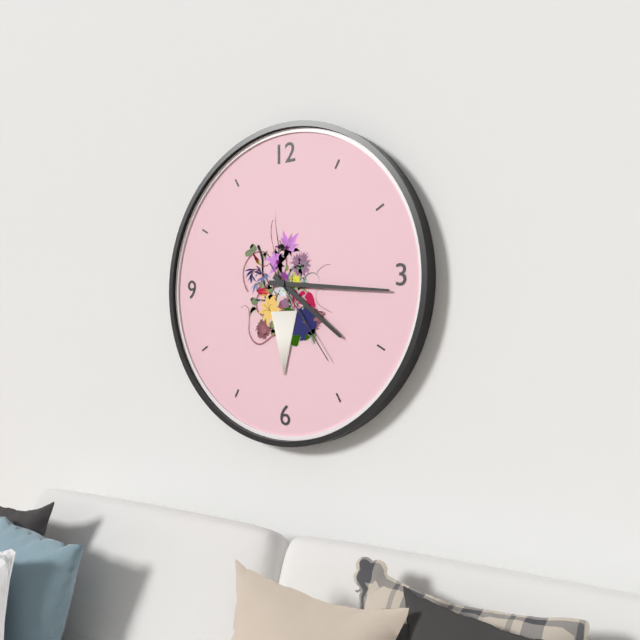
4:16:24
